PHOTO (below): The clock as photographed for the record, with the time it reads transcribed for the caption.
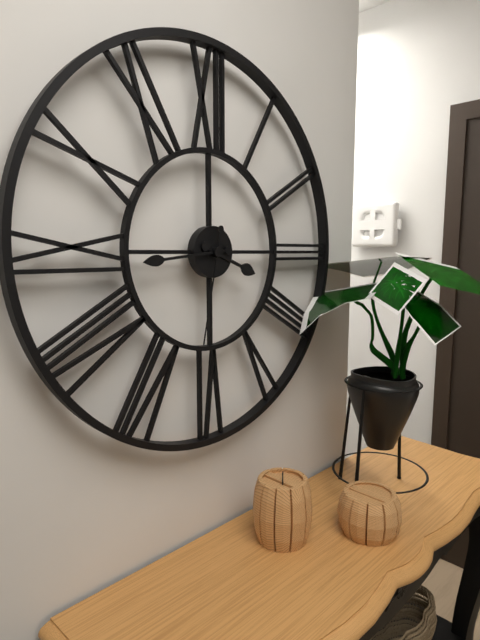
3:44:32
